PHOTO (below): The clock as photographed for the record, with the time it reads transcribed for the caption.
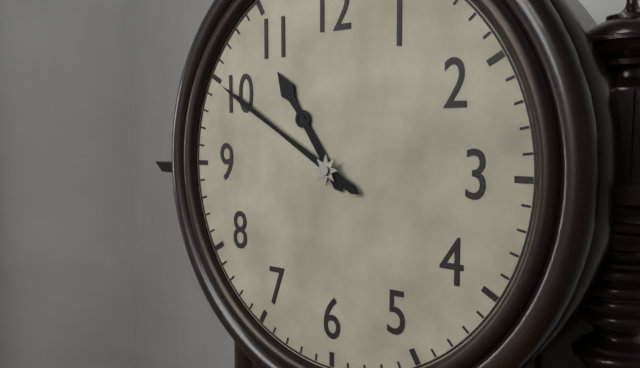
10:50
